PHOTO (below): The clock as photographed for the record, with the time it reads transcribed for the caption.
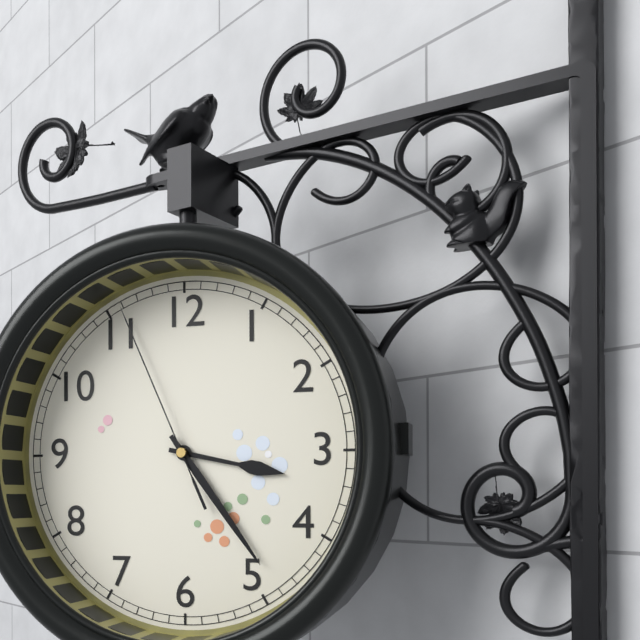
3:24:56
